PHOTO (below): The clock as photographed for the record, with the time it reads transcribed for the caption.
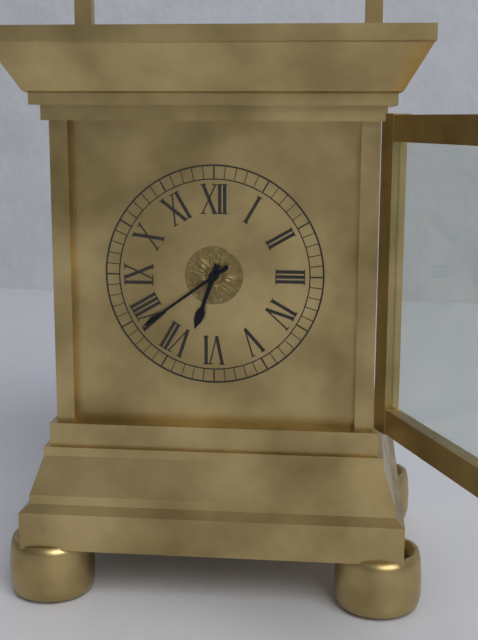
6:39
